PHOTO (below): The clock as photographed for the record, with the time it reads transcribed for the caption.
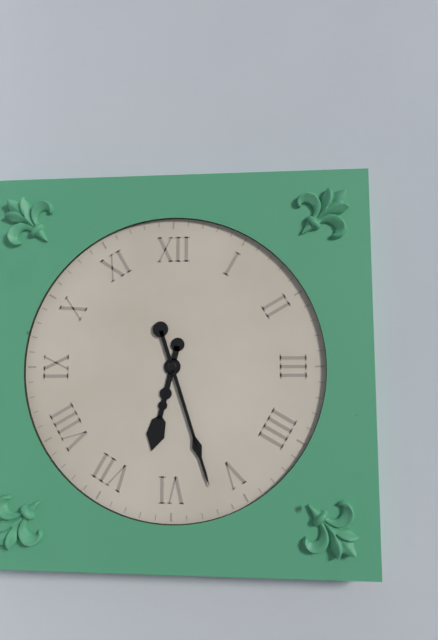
6:27
